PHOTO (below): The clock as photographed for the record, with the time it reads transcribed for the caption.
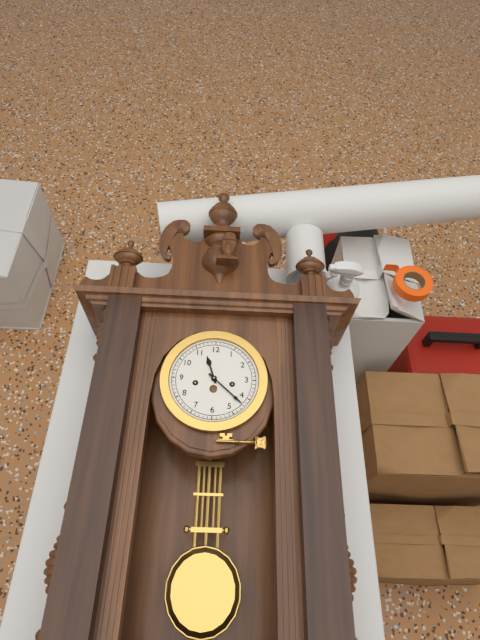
11:22
